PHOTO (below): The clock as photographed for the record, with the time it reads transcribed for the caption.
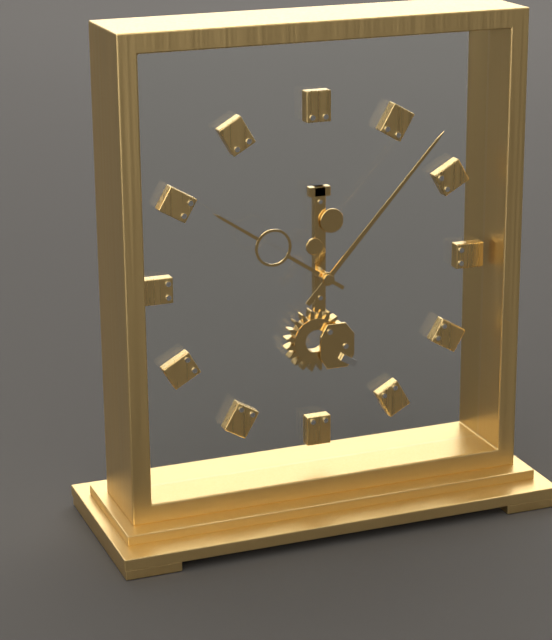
10:07
